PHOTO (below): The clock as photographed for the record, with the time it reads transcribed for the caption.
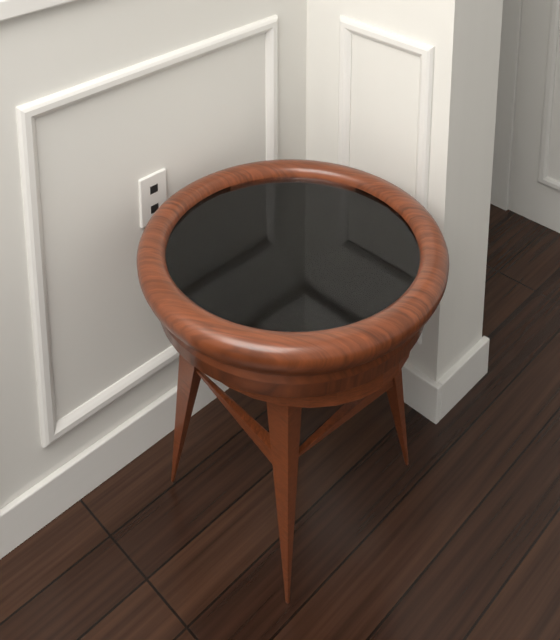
4:21
